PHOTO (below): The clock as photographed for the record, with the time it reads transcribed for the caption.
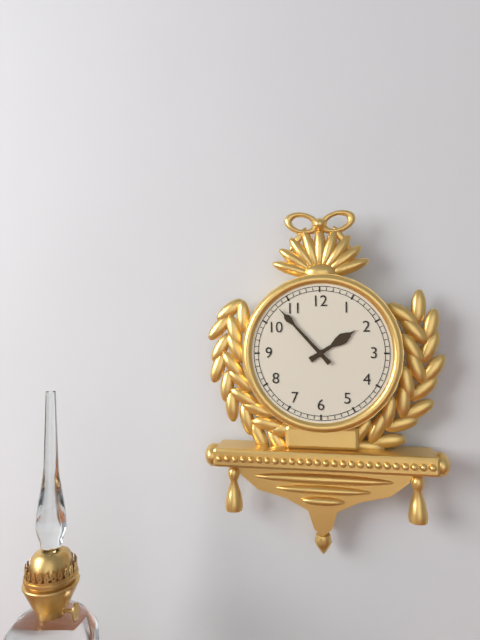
1:53
